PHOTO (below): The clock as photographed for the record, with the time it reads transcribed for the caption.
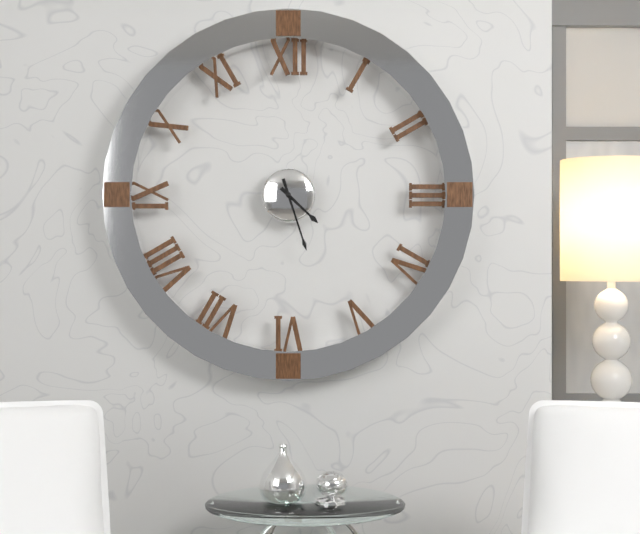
4:27
